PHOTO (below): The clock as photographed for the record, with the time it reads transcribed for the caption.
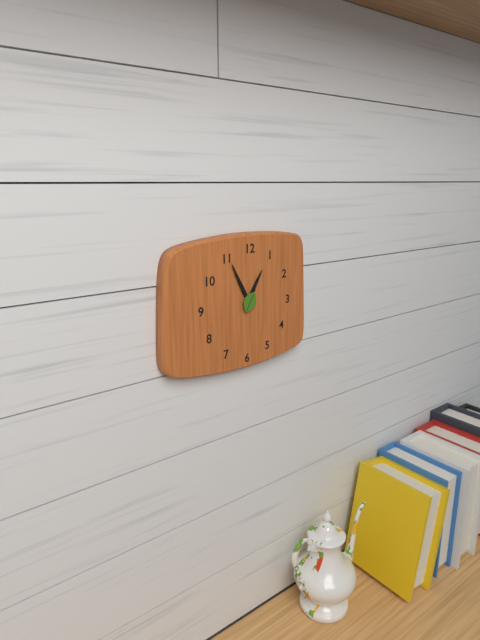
12:55
